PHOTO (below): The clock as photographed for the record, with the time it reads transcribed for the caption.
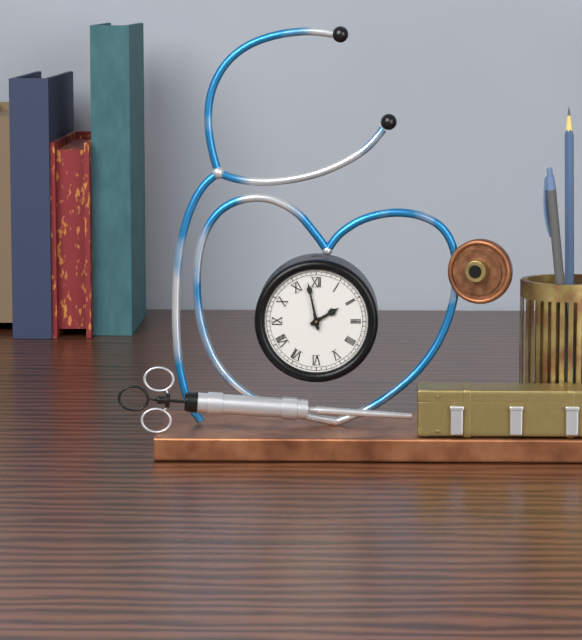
1:58
